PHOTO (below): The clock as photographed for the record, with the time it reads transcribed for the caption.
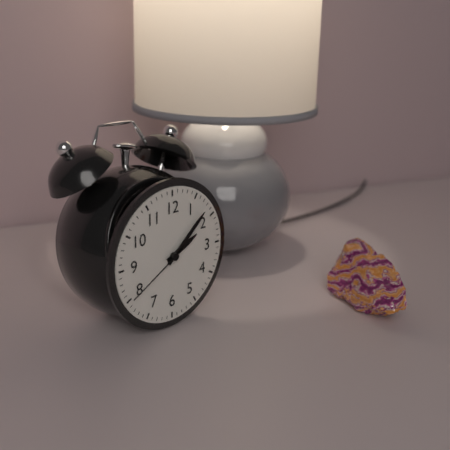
2:08:40
